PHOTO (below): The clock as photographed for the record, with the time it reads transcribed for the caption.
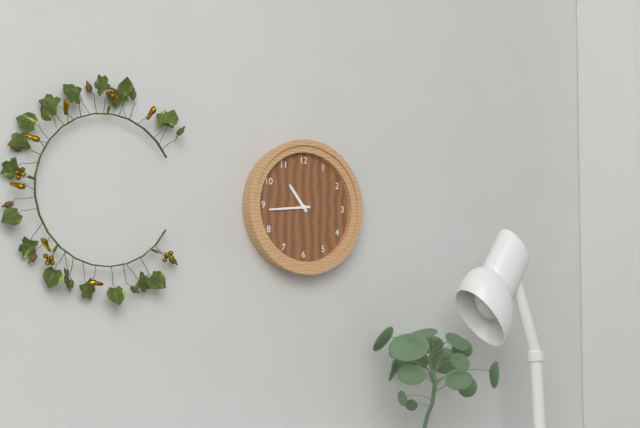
10:44
